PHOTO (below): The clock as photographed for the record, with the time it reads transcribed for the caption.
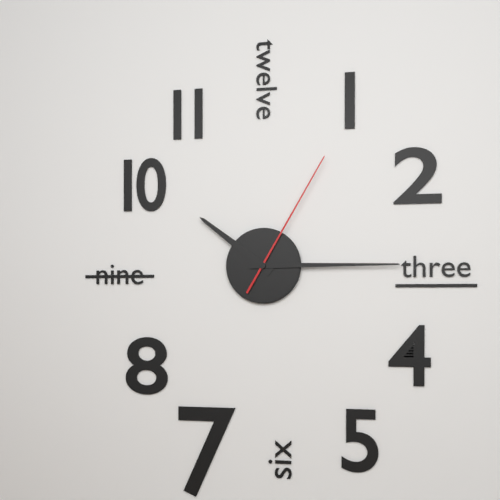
10:15:05
